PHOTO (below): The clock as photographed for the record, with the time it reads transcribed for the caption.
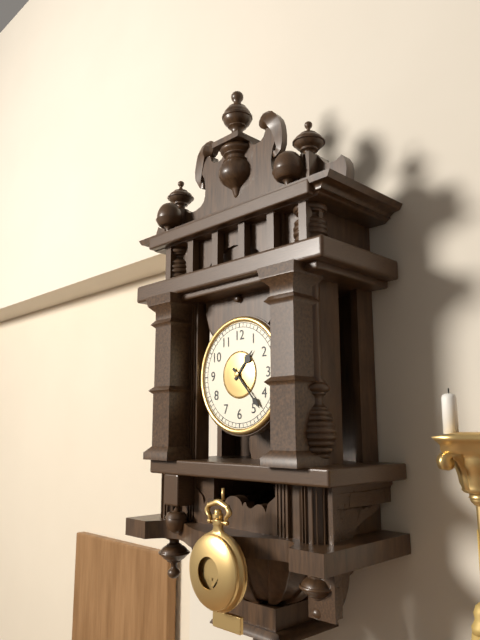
1:23
